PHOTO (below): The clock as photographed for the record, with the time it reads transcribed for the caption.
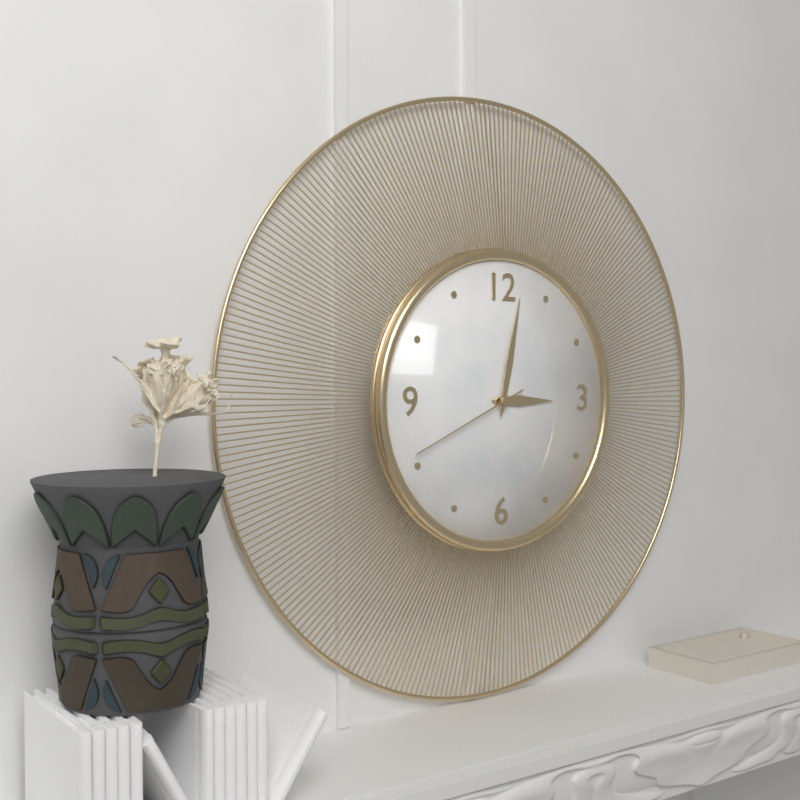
3:02:41
